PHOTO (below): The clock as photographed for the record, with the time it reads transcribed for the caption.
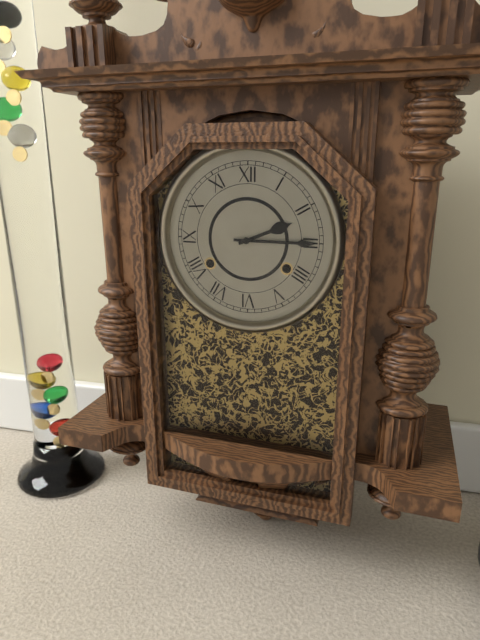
2:15
